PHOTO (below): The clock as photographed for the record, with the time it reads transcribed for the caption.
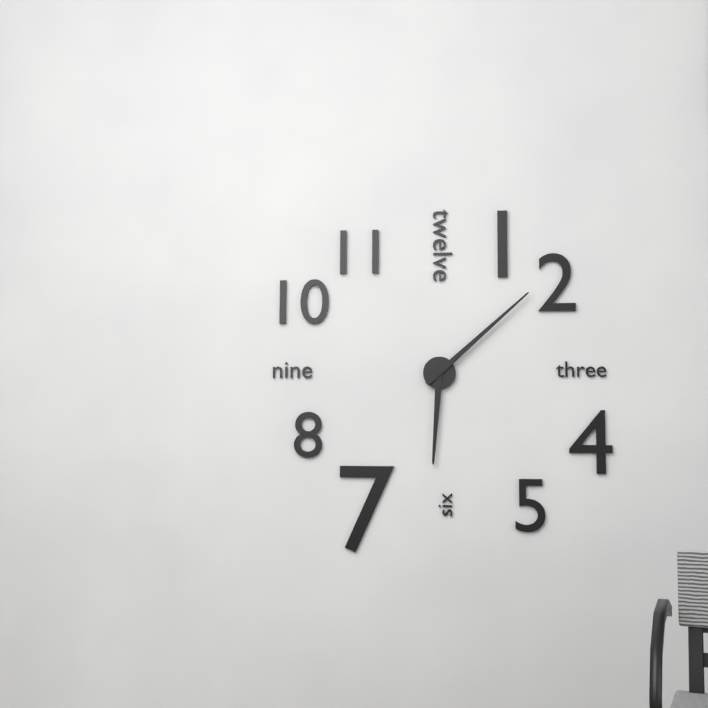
6:08
